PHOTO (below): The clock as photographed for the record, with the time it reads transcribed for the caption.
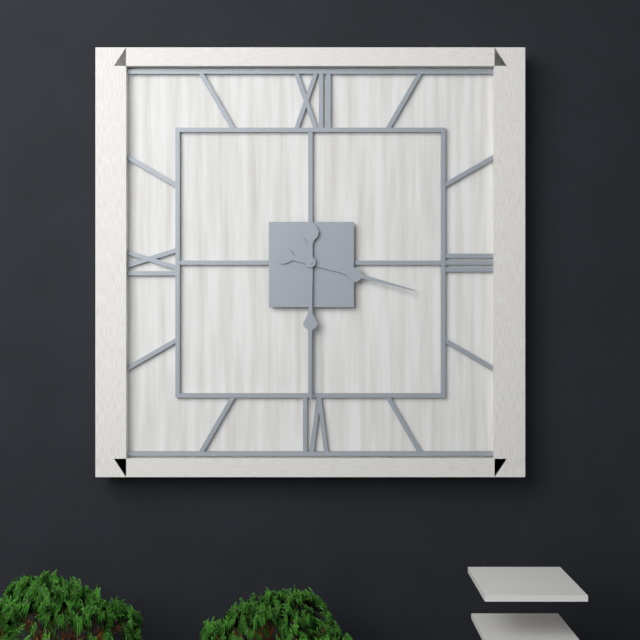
3:30
